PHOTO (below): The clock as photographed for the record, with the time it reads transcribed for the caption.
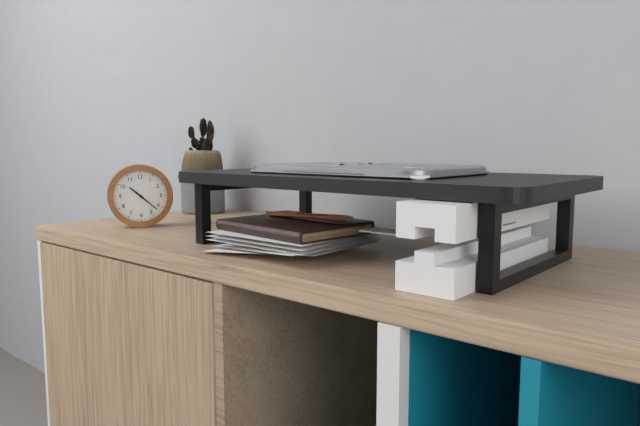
10:22
